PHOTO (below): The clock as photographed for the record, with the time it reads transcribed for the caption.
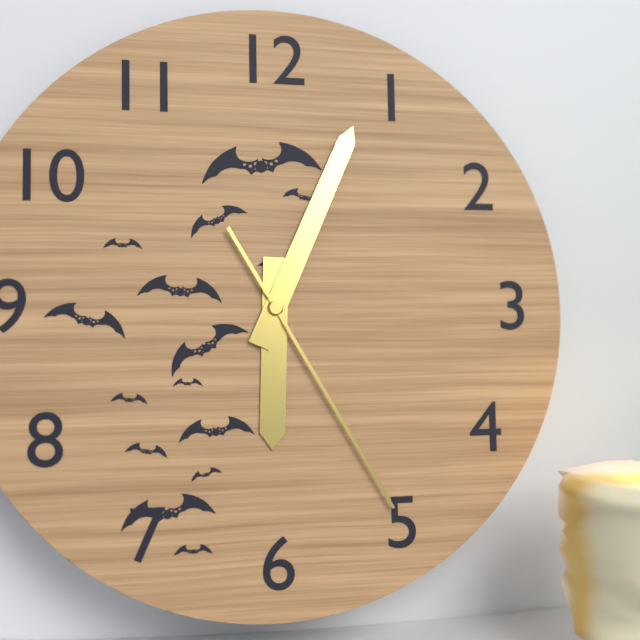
6:04:25
